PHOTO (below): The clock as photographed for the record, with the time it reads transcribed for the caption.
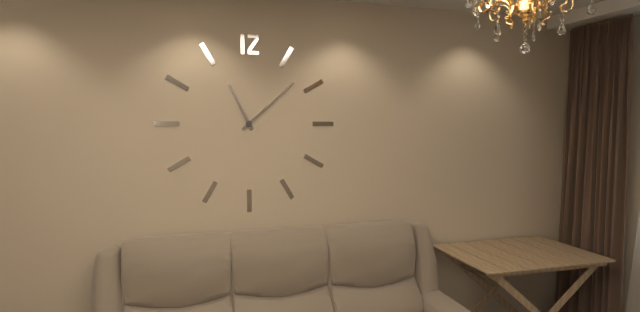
11:08
